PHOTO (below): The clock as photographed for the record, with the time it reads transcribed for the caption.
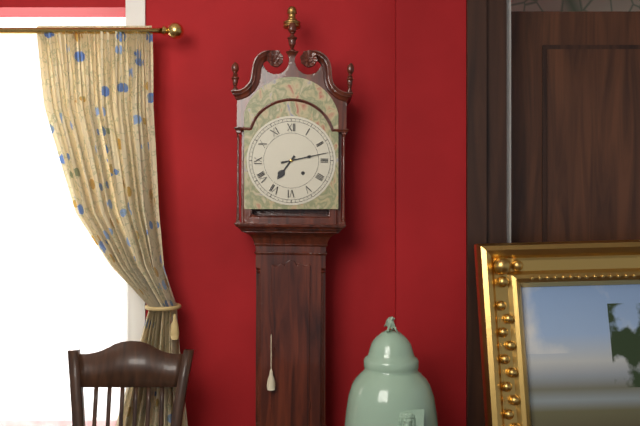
7:13
